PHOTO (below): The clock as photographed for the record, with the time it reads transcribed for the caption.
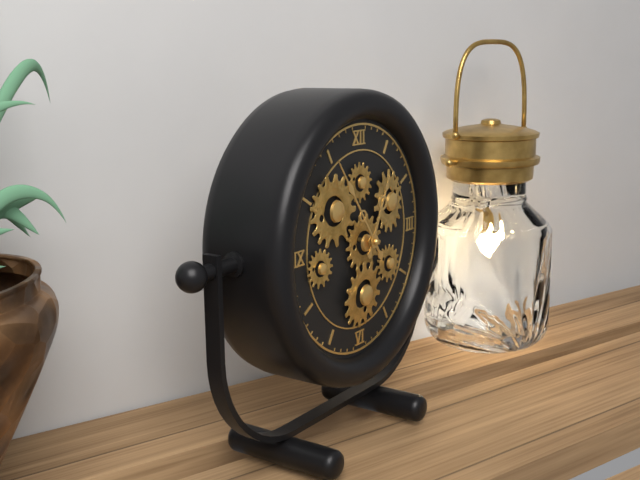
12:54
